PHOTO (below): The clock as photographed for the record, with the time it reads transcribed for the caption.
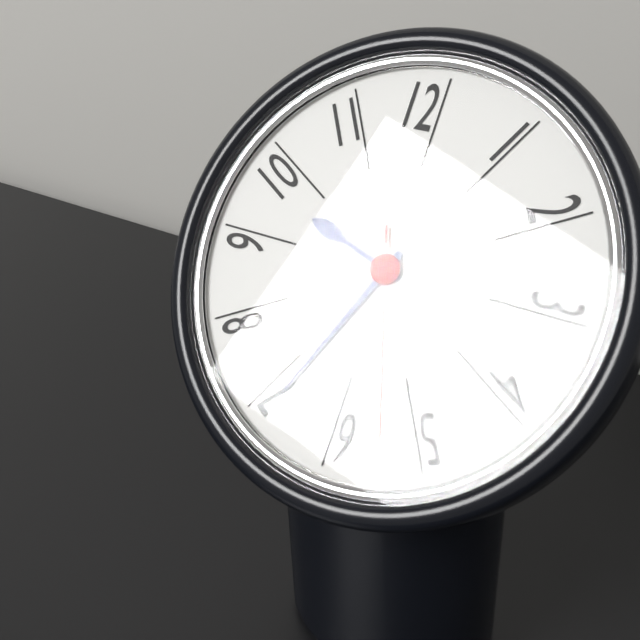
9:34:27
